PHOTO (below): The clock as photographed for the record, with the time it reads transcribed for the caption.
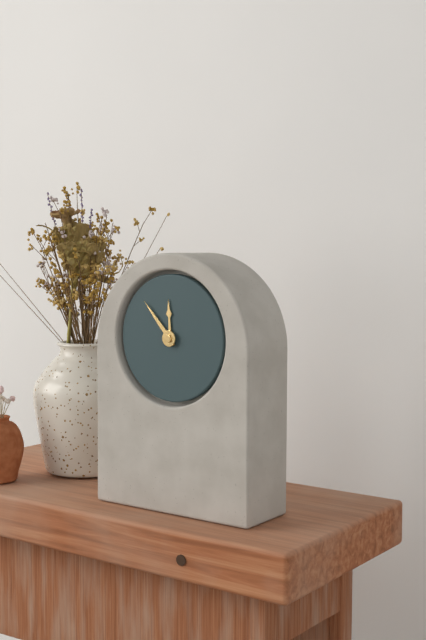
11:53
